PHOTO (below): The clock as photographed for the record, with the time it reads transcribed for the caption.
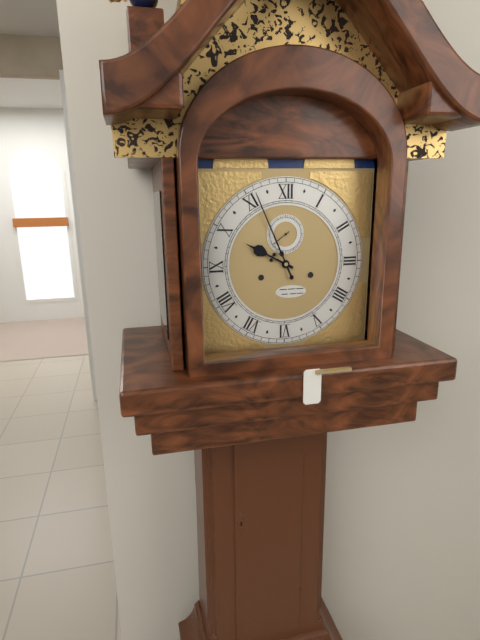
9:56
